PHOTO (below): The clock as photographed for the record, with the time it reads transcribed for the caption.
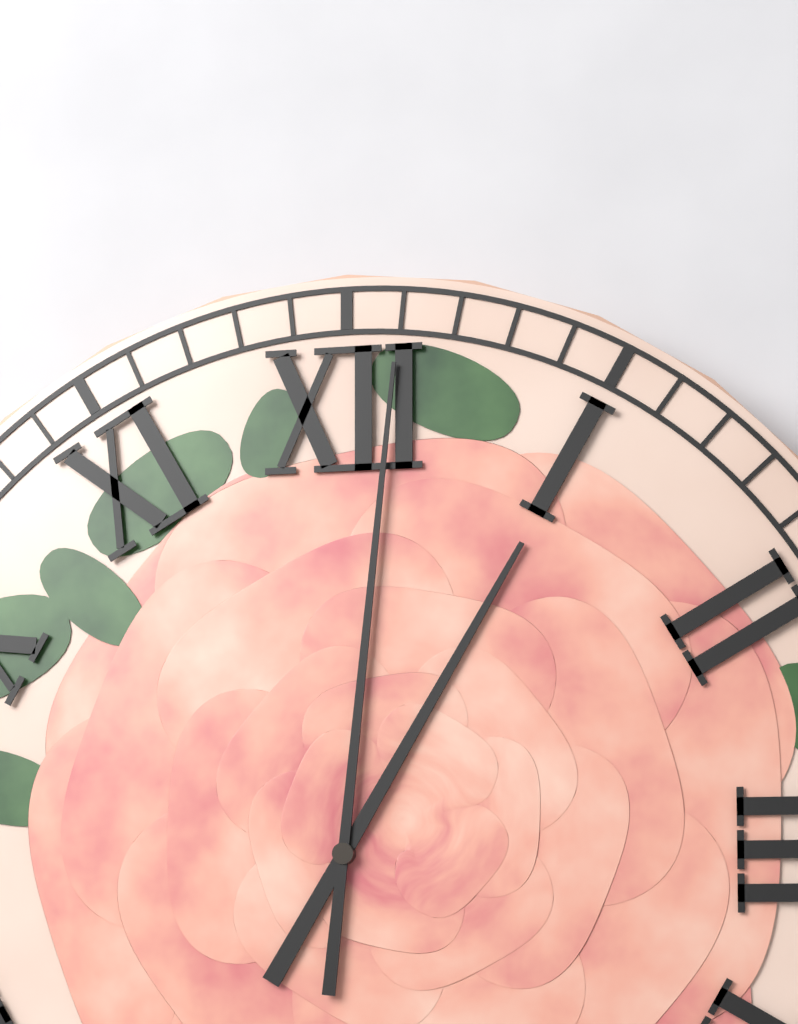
1:01
